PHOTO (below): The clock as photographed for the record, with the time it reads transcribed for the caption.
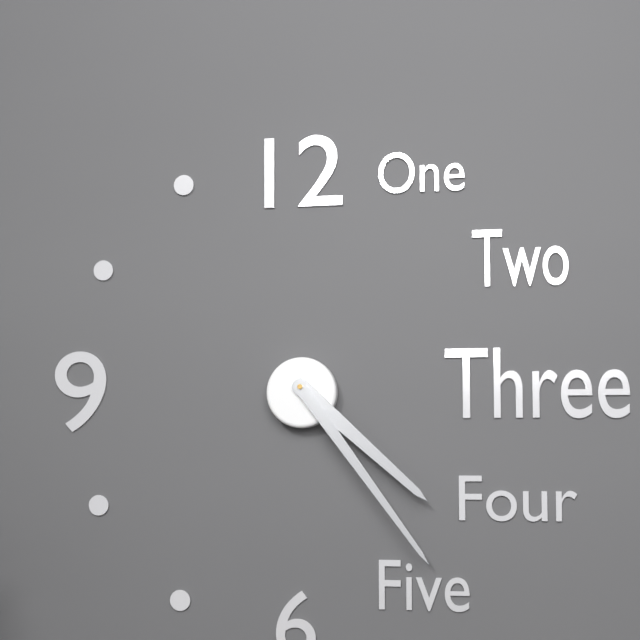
4:24
